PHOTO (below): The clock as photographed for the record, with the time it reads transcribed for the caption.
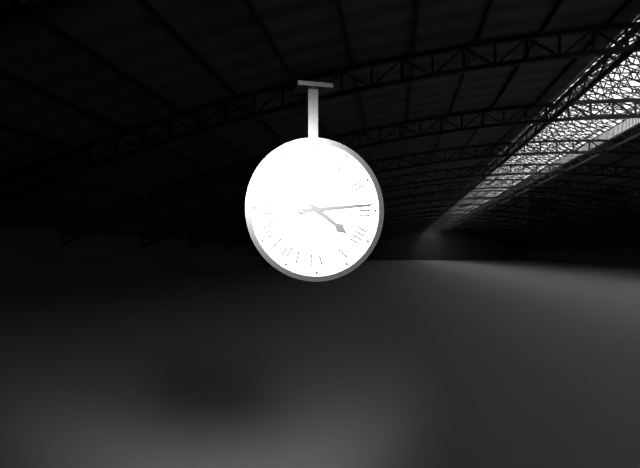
4:14
